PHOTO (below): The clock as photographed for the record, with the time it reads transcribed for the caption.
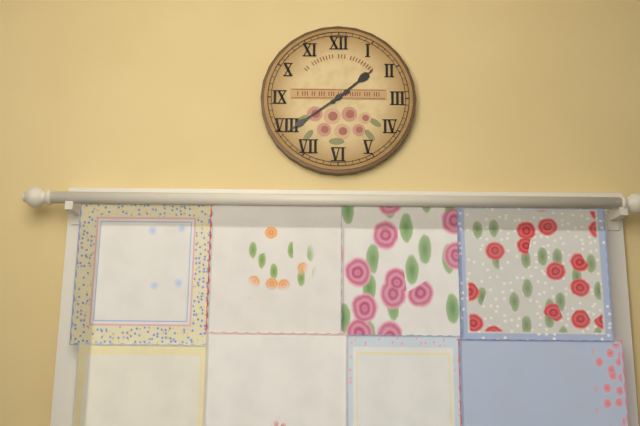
1:39
